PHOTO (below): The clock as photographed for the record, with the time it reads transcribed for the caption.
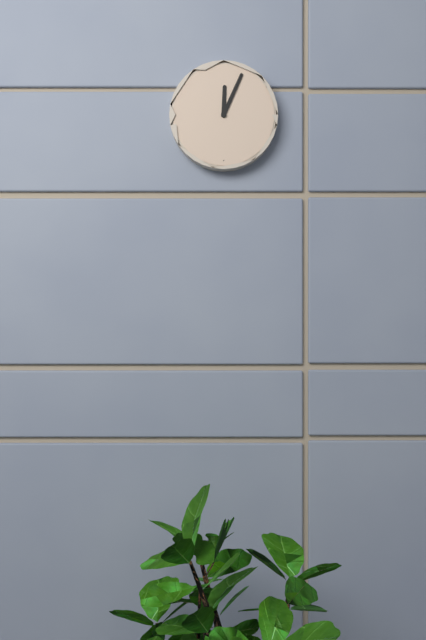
12:04
